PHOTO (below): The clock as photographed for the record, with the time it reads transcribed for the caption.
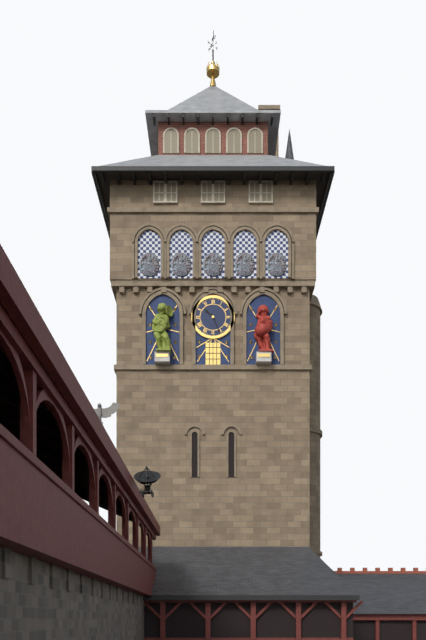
10:26
